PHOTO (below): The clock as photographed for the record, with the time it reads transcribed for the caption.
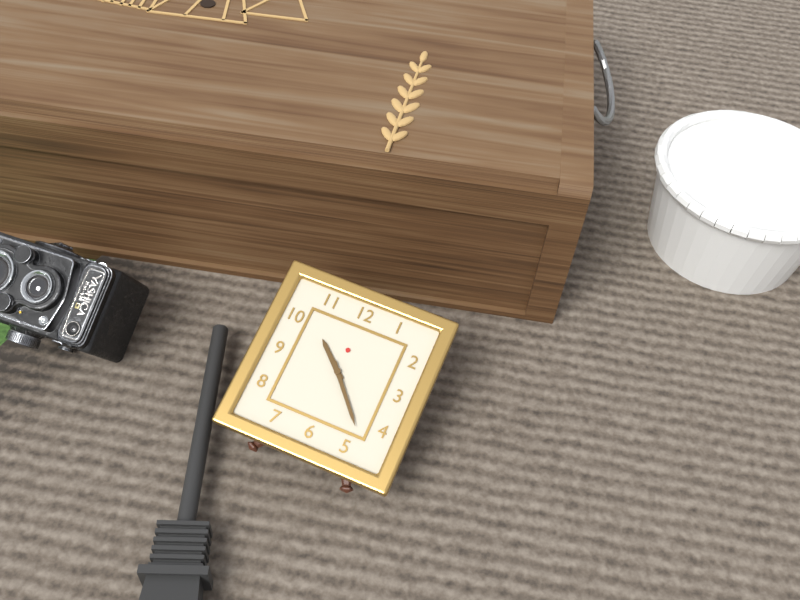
10:23
